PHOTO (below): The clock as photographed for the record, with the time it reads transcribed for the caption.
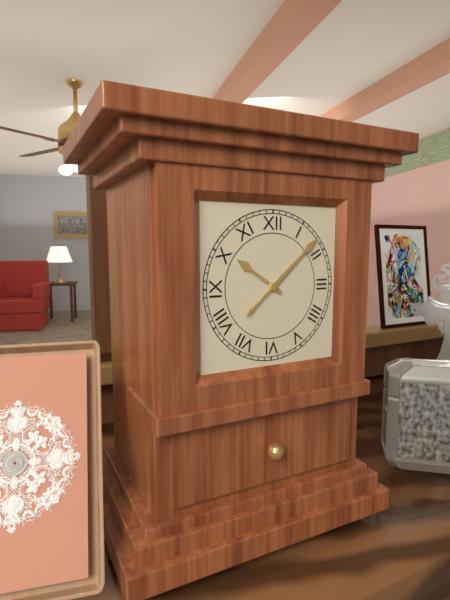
10:08
